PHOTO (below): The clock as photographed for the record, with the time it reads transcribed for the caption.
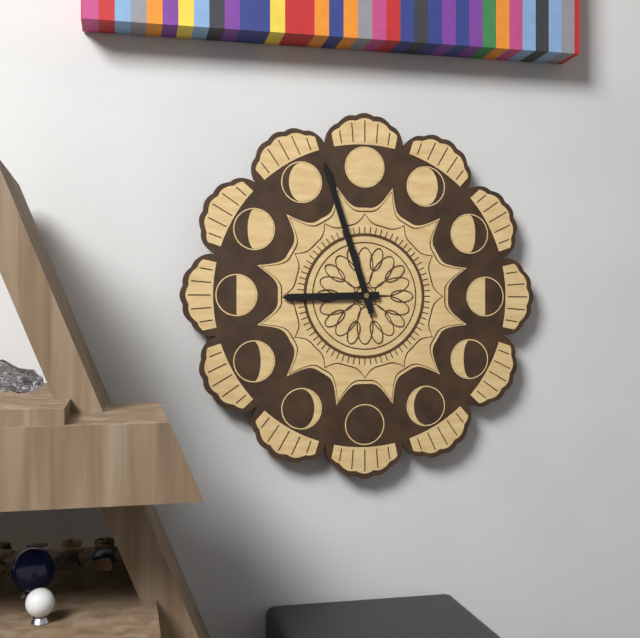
8:57
